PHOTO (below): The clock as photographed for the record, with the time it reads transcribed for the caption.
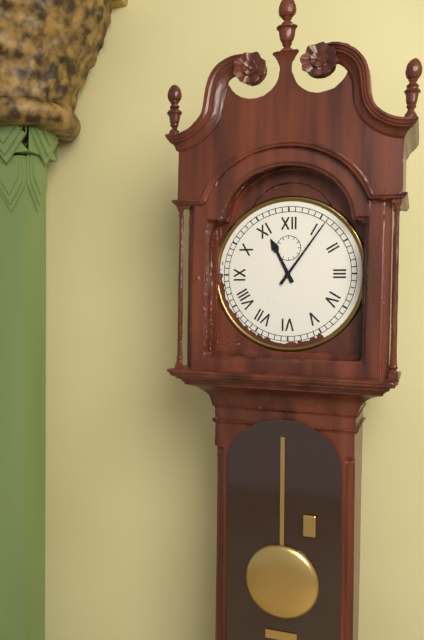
11:06
